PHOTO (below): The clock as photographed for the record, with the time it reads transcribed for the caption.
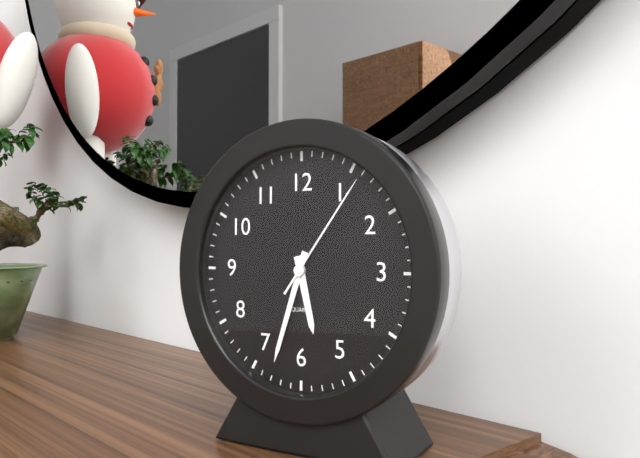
5:33:06
